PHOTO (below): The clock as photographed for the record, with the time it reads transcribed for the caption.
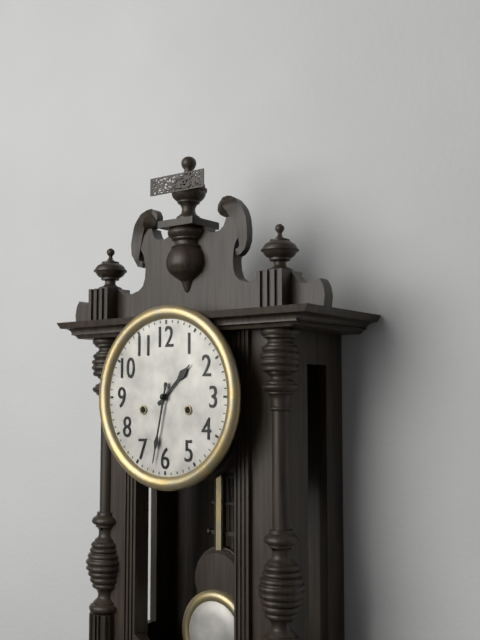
1:32
